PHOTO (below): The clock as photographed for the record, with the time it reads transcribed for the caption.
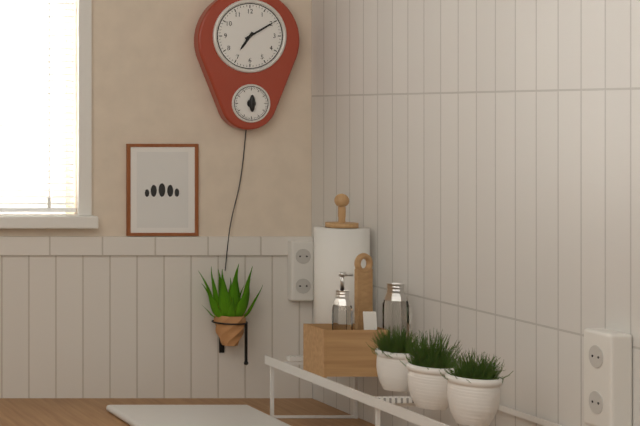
7:10
